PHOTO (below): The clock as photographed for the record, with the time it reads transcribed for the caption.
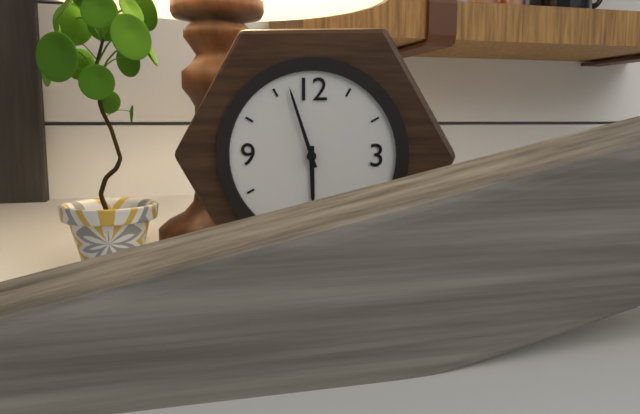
5:57
